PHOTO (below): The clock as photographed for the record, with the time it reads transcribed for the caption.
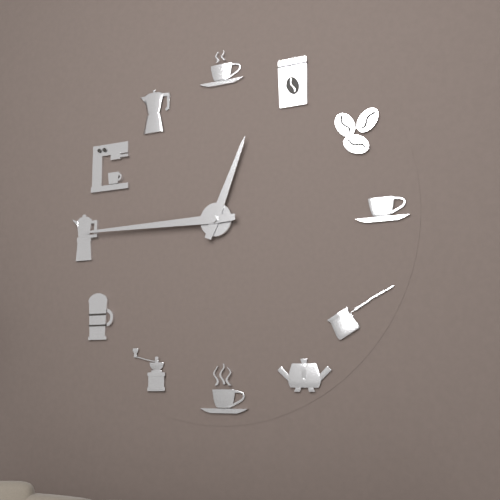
12:45
